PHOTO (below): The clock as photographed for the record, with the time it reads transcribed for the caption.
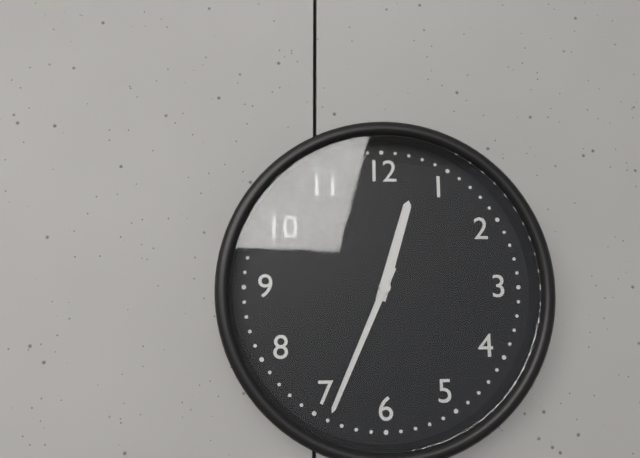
12:34
